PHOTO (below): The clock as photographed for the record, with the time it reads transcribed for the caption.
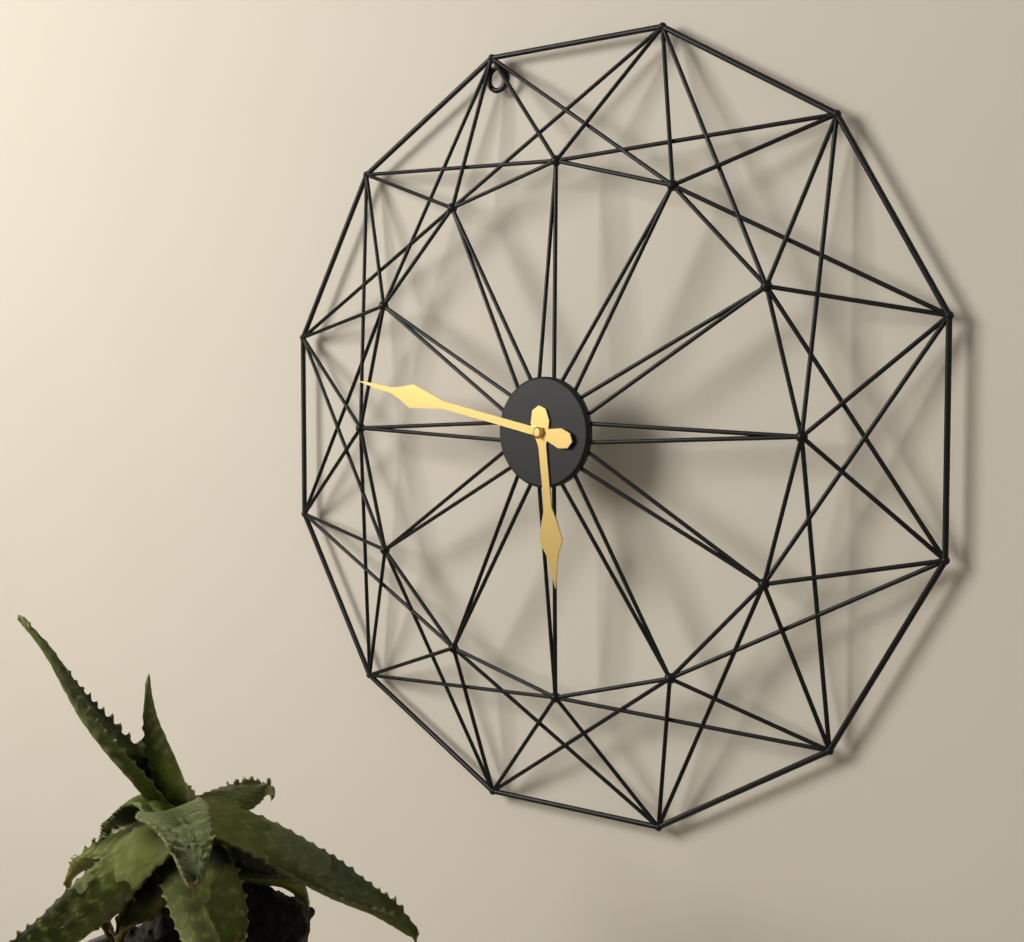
5:47
